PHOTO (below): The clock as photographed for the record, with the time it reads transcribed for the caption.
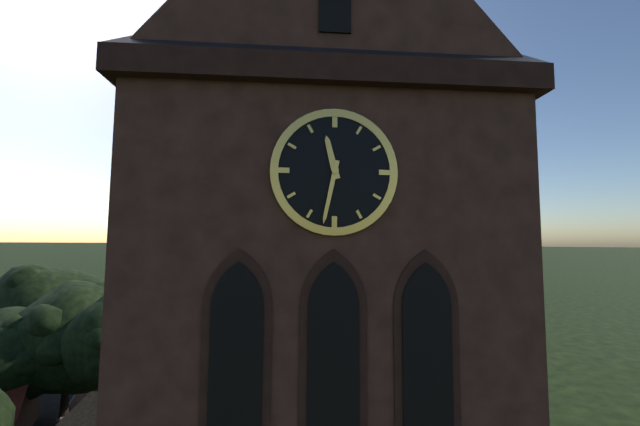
11:32
